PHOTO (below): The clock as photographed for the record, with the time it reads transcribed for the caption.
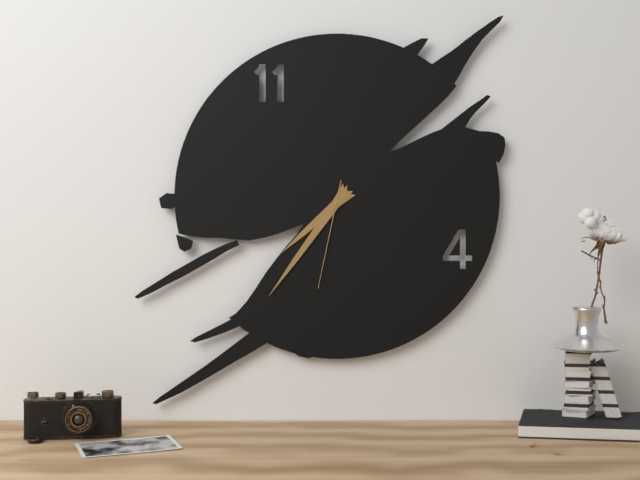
7:36:32
